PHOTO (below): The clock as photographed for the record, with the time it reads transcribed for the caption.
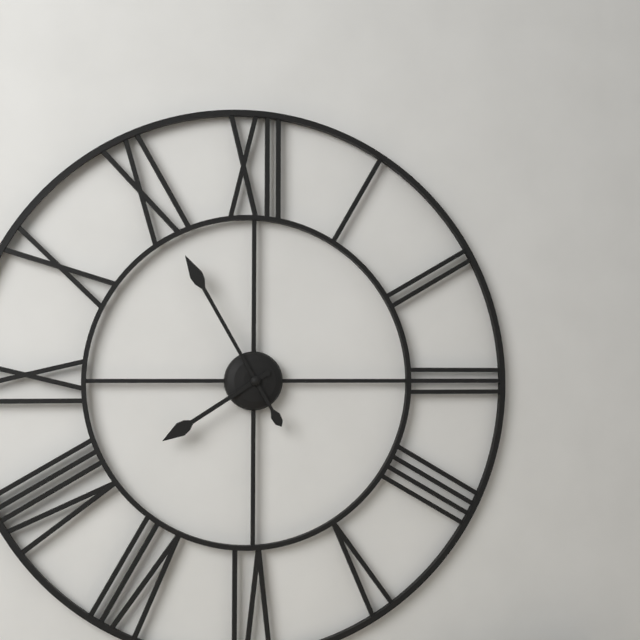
7:55
